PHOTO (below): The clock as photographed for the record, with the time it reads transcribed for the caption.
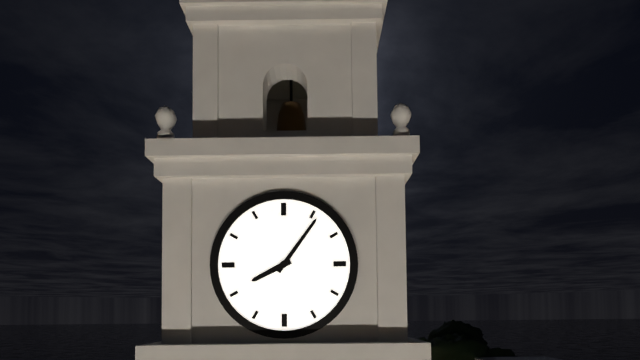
8:06
